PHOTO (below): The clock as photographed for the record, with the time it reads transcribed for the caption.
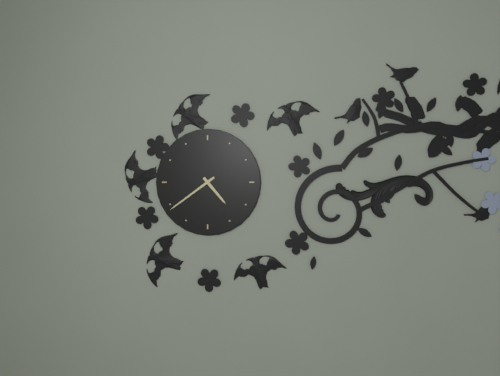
4:39
